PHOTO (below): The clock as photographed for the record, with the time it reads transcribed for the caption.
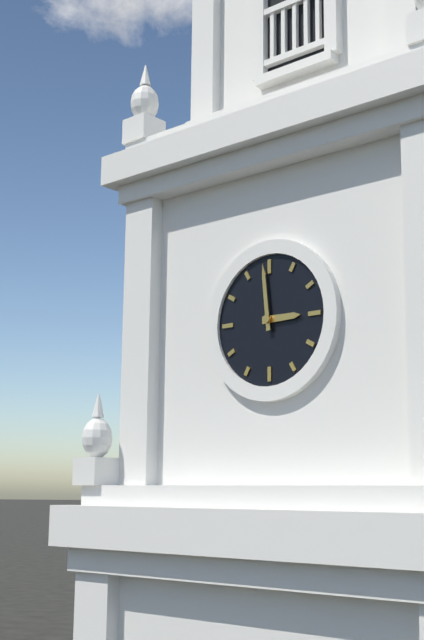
2:59
